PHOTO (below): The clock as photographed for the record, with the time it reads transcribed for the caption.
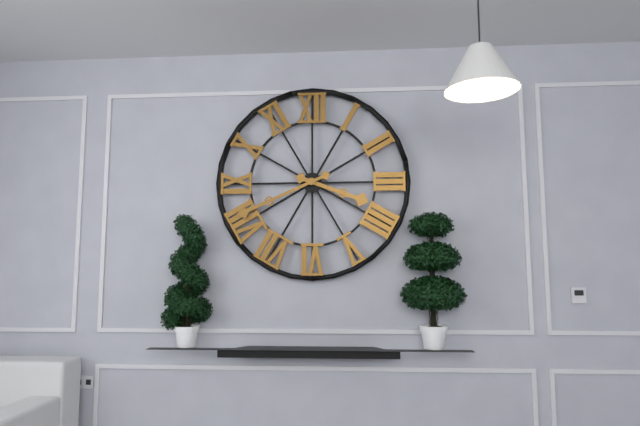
3:41
